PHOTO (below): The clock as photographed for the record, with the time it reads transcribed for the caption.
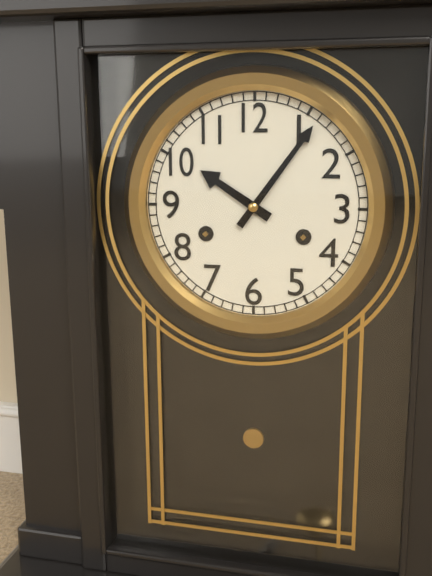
10:06
